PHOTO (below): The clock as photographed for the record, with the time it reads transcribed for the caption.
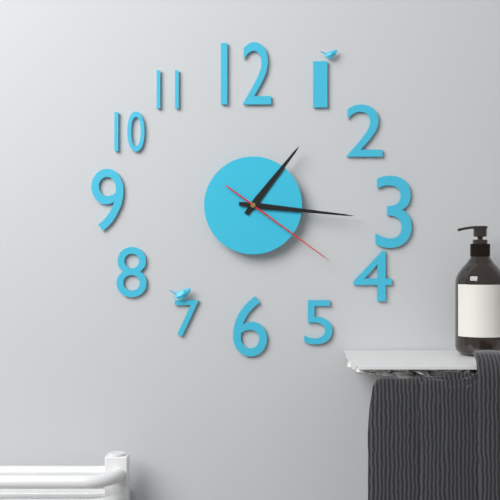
1:16:21
